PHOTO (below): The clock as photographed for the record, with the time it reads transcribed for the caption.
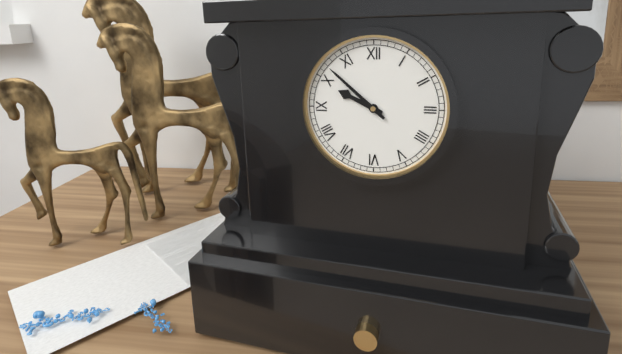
9:52
